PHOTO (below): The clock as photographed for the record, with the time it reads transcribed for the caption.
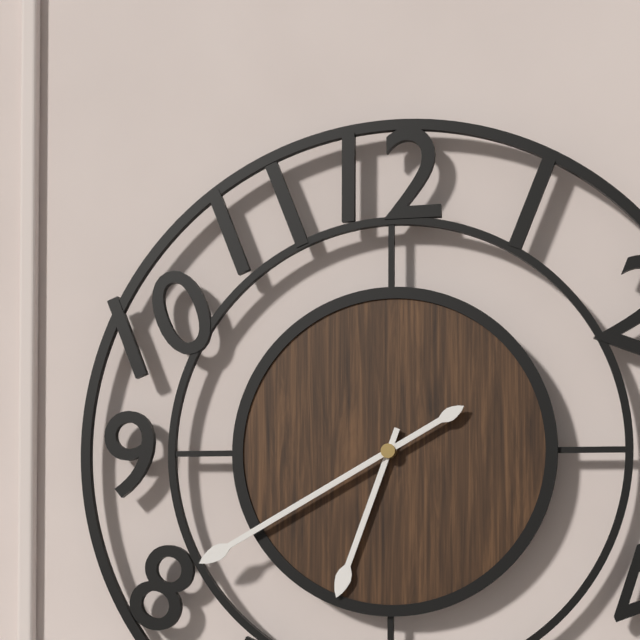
6:40
